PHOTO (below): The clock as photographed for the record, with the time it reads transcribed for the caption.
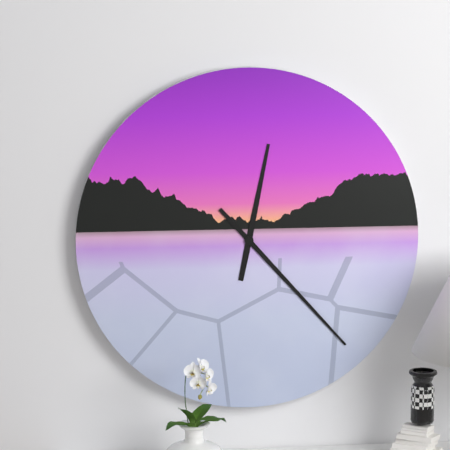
12:23
